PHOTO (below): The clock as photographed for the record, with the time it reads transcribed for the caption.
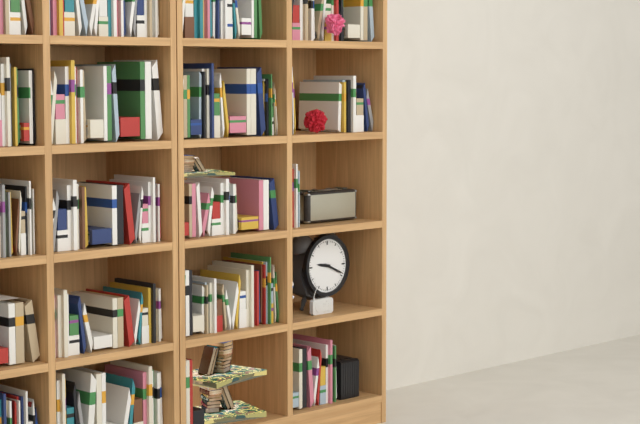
9:19
